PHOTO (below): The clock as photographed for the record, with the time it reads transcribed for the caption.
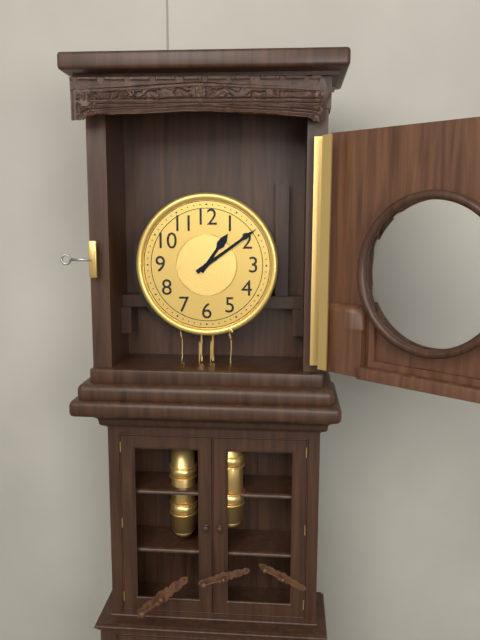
1:09
